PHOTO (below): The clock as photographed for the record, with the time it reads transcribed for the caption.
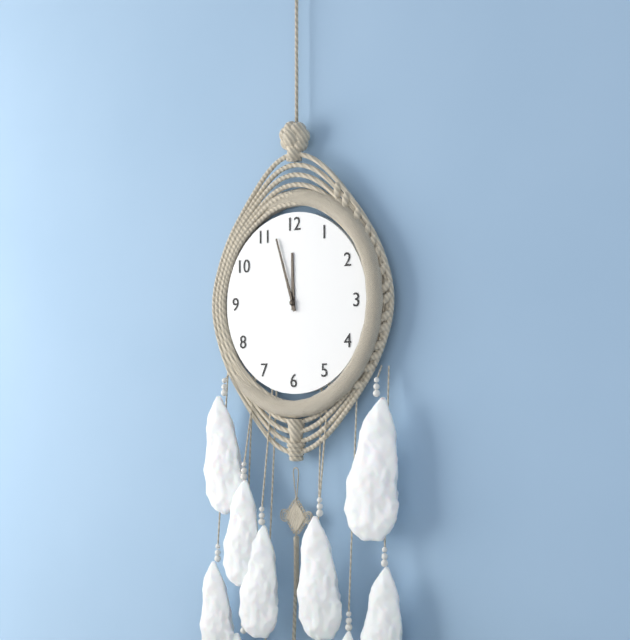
11:57
